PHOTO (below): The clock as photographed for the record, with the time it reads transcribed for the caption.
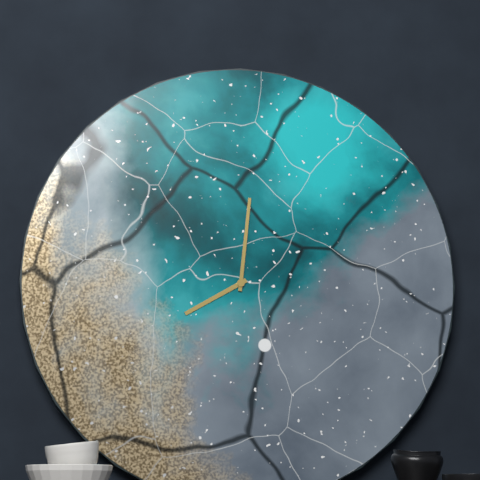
8:01
